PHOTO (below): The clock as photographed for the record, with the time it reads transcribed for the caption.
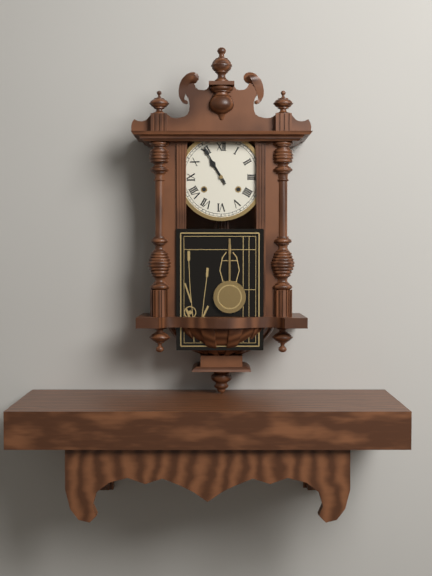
10:55
